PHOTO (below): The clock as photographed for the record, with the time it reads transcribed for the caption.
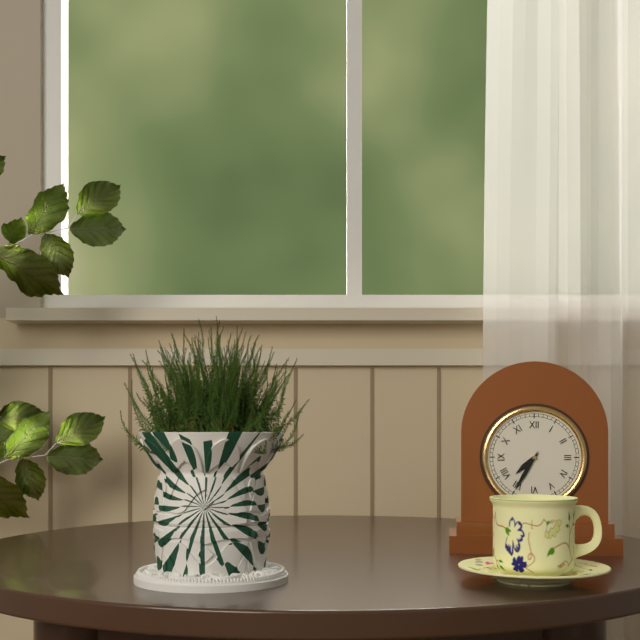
7:35
